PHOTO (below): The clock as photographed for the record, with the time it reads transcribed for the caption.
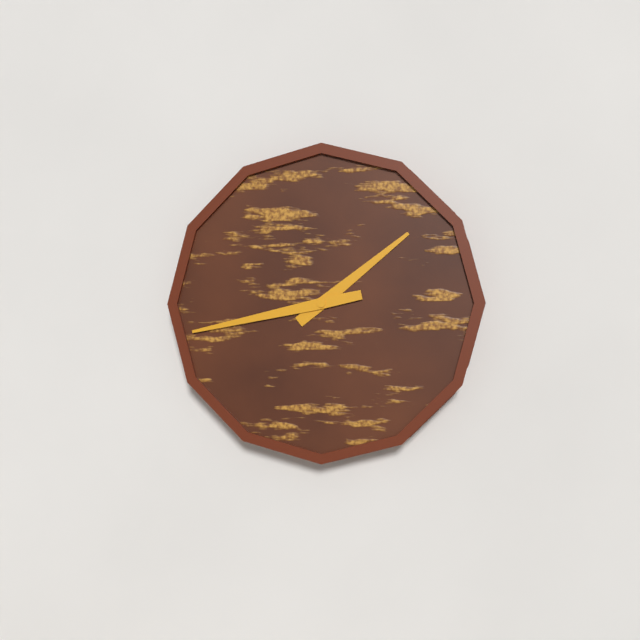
1:43
